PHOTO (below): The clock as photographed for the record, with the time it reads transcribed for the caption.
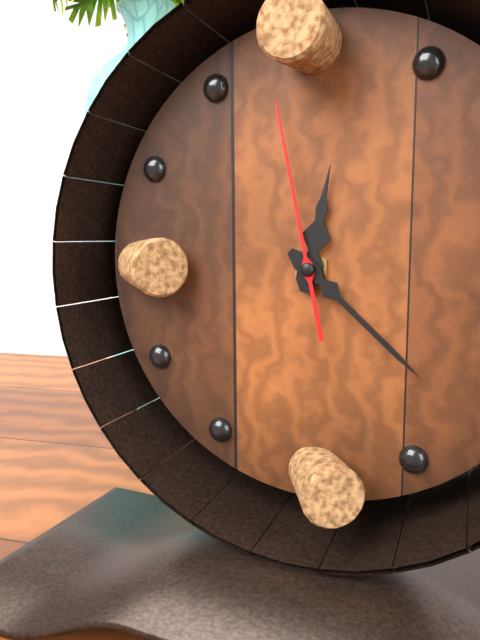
12:22:58
